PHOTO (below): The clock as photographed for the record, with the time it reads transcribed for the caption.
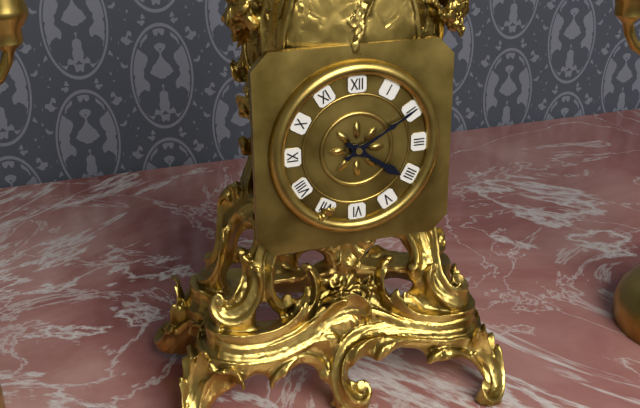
4:10
